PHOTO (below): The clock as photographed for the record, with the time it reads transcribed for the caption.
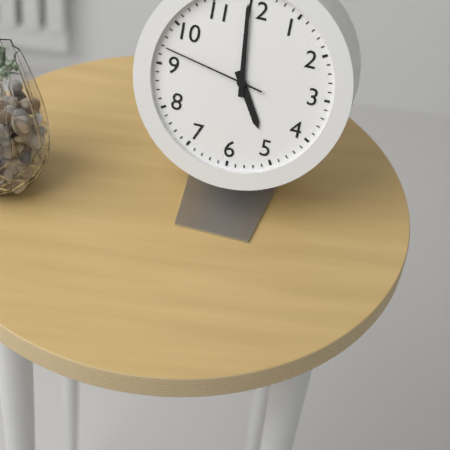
4:59:47
